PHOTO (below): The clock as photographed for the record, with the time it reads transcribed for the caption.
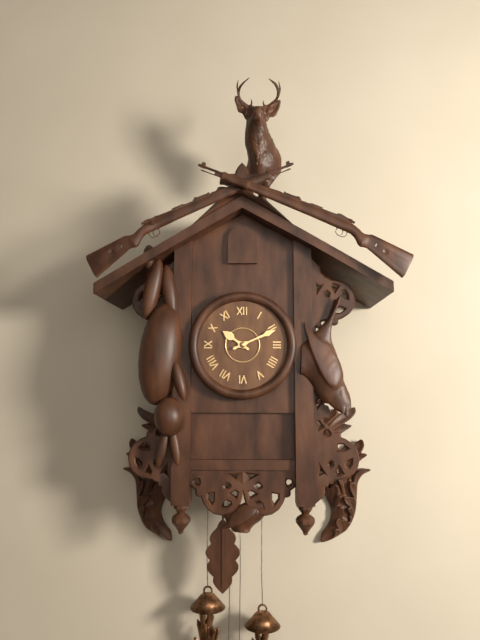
10:11
